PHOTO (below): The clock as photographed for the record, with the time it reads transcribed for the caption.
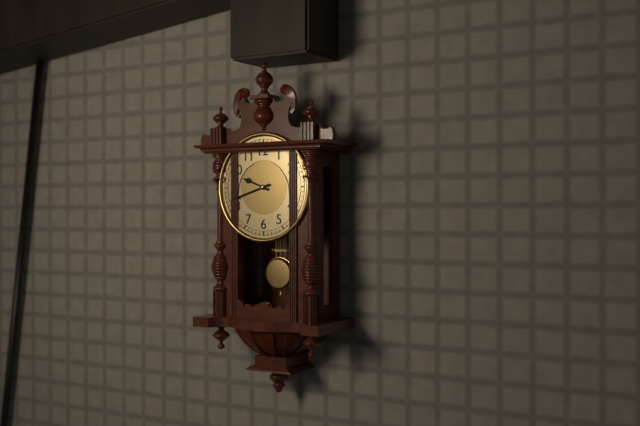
9:42
